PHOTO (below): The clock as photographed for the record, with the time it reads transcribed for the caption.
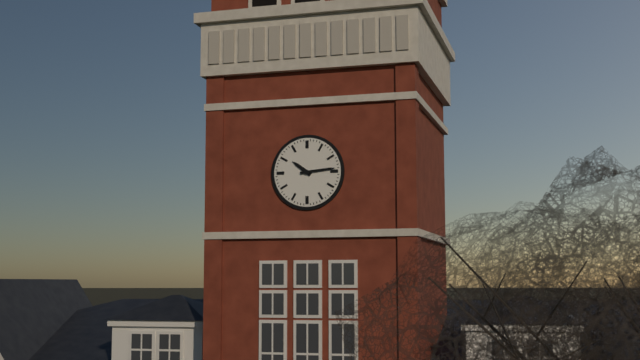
10:14
